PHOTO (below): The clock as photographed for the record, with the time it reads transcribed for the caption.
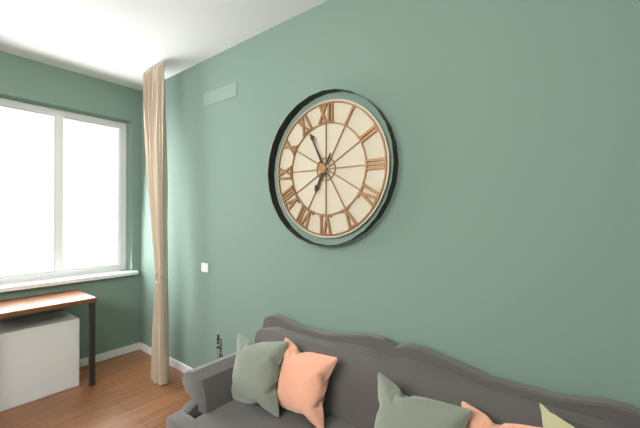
6:56
